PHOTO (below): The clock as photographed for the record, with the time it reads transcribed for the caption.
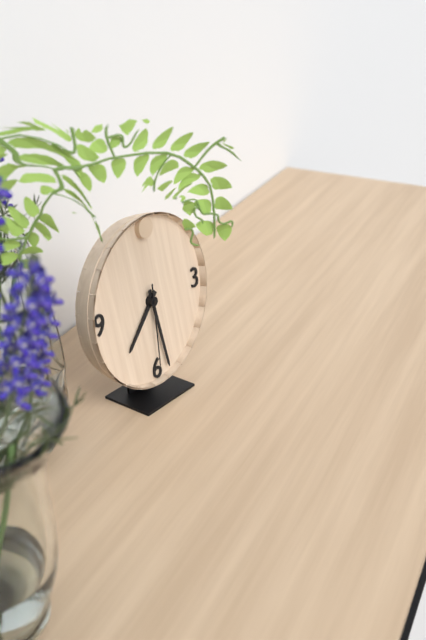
7:28:30
